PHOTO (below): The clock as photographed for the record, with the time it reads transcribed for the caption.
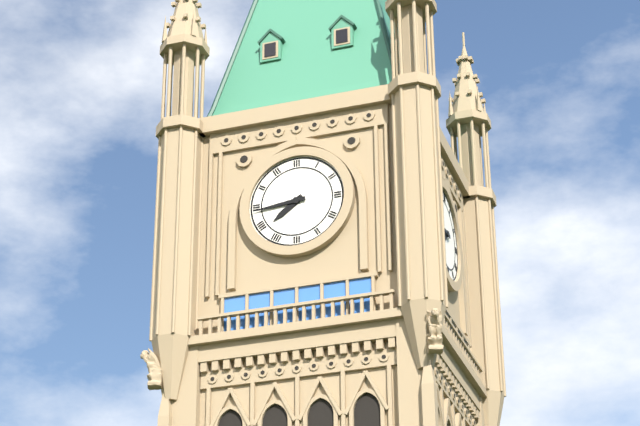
7:44
